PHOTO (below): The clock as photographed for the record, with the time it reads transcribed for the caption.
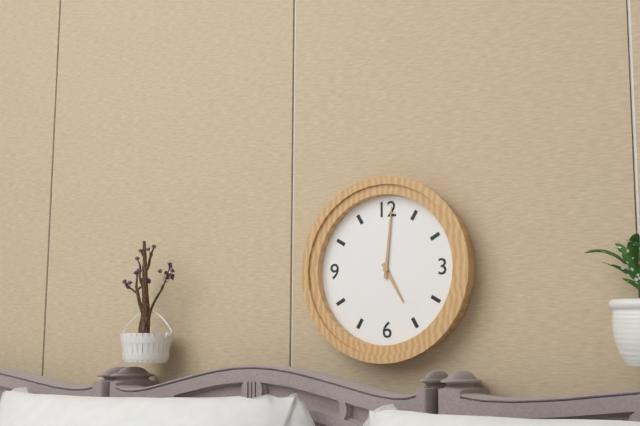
5:01
